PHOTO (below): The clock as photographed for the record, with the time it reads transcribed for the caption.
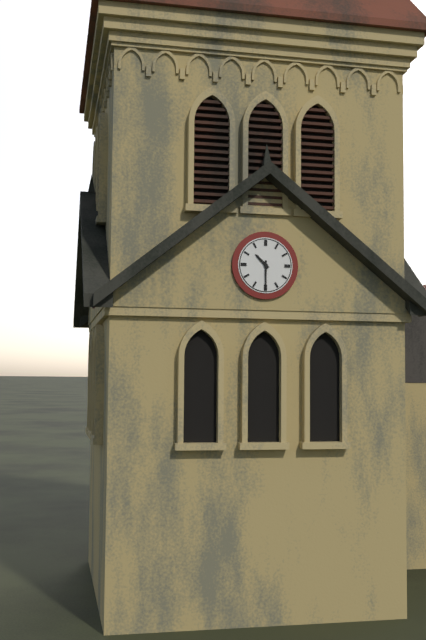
10:30
